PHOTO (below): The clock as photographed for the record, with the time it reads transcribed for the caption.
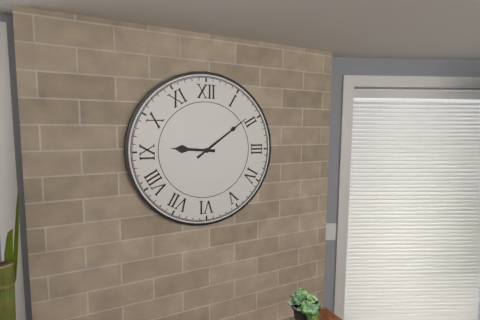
9:09
